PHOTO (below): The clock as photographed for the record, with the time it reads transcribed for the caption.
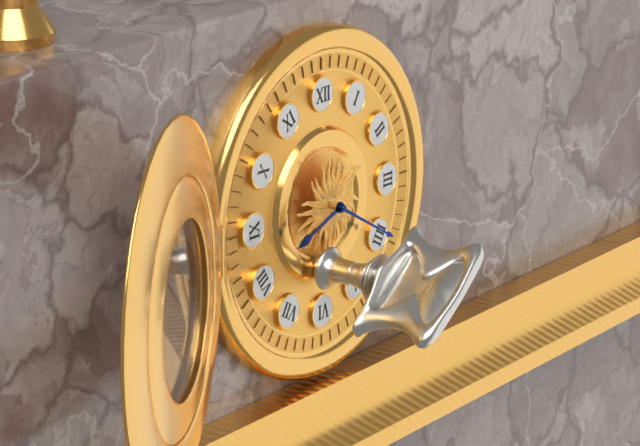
8:20
